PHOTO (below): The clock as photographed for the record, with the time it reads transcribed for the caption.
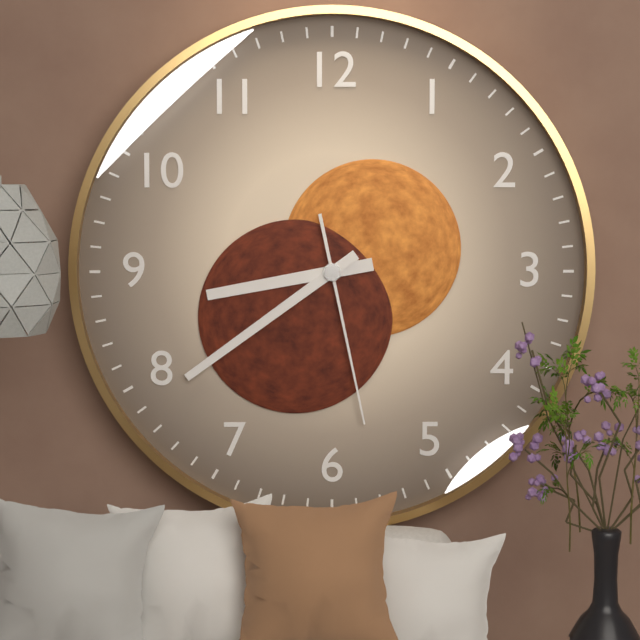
8:39:28
